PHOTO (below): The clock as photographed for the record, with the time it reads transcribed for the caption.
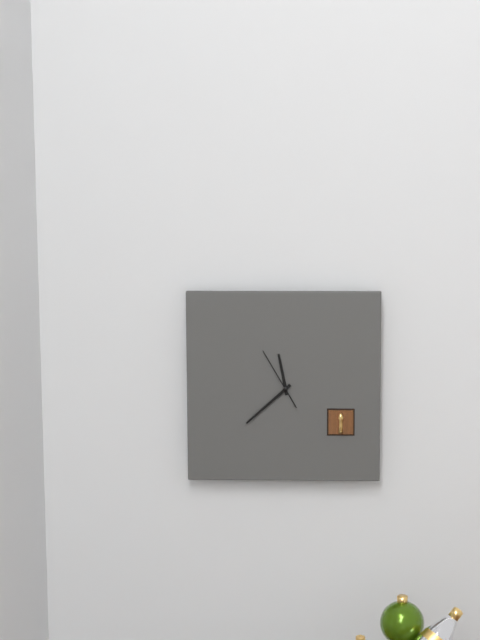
11:38:55
